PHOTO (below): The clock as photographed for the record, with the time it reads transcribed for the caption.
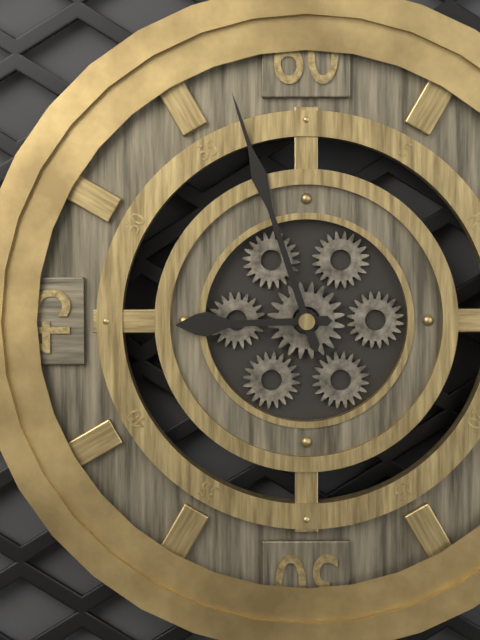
8:57
